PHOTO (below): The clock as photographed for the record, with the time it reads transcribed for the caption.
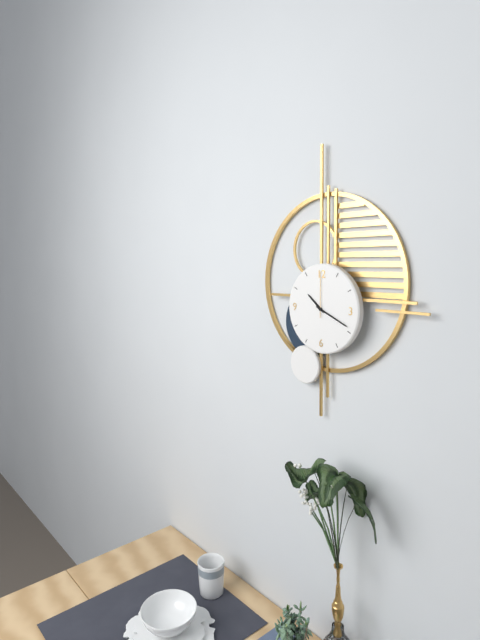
10:19
